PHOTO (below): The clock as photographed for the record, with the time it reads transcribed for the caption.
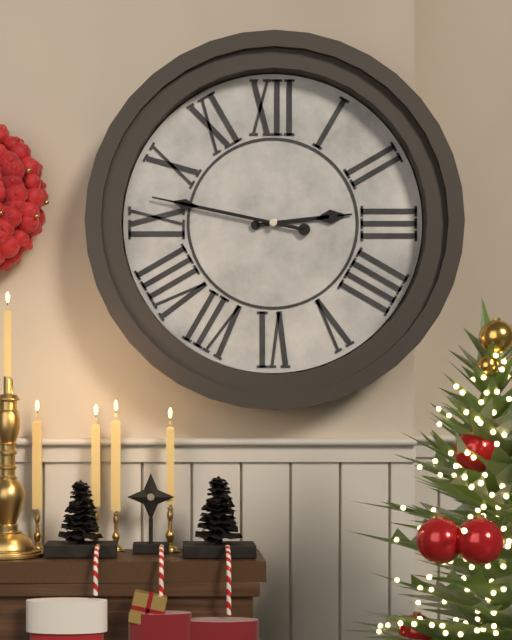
2:47
